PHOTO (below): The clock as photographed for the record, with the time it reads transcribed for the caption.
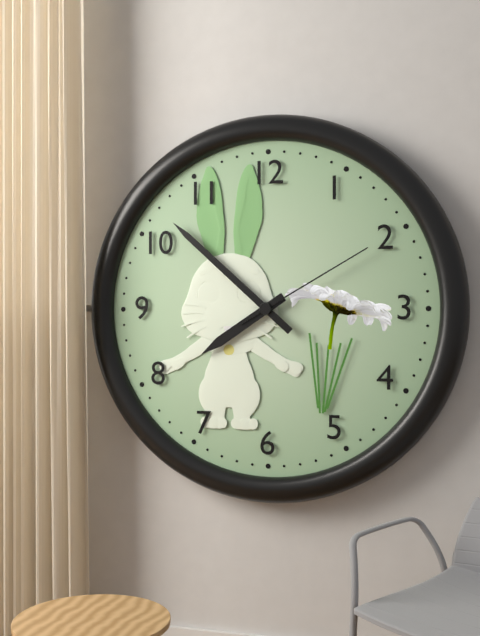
7:52:10
